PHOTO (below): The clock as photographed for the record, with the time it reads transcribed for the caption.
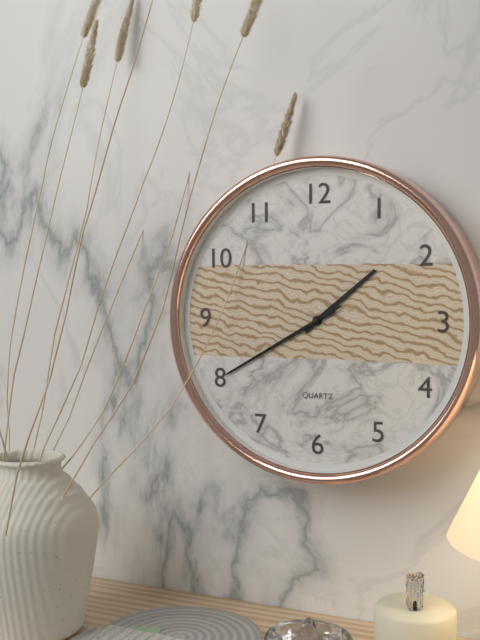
1:40:40
